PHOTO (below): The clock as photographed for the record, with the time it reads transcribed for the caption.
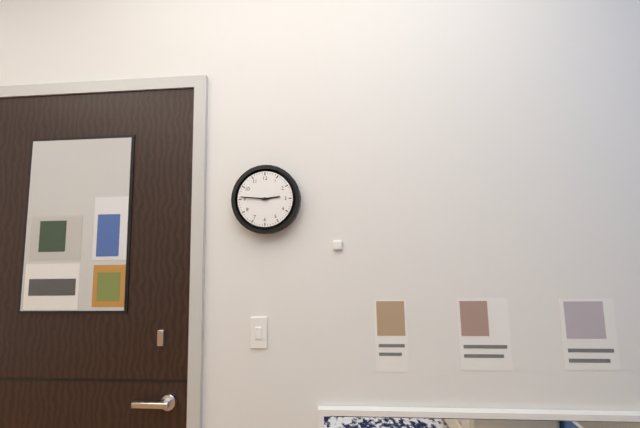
2:46
